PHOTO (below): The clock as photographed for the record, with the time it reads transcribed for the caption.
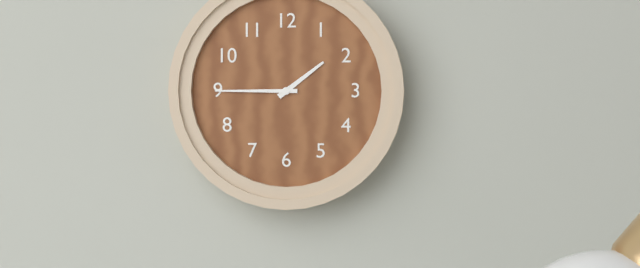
1:45
